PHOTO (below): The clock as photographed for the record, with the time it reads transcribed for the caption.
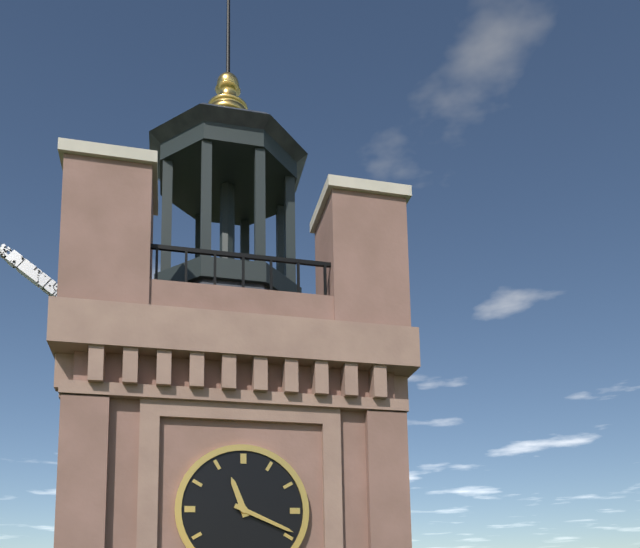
11:19
